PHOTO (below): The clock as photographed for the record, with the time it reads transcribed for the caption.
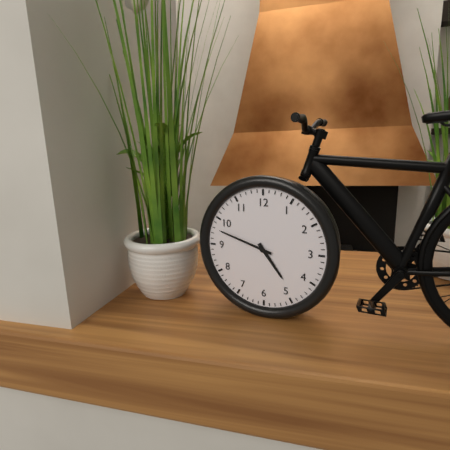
4:48
